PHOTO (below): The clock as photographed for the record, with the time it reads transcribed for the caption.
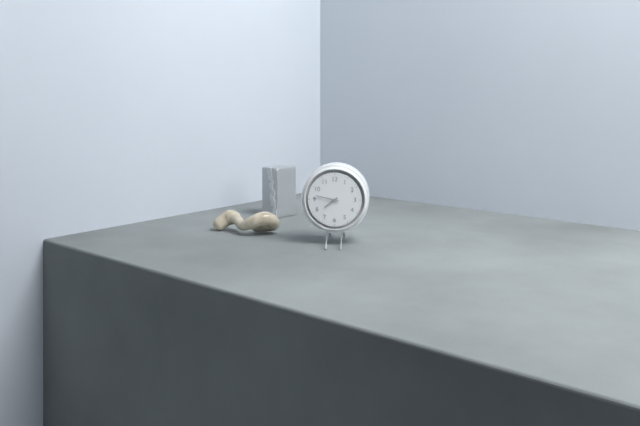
7:47
